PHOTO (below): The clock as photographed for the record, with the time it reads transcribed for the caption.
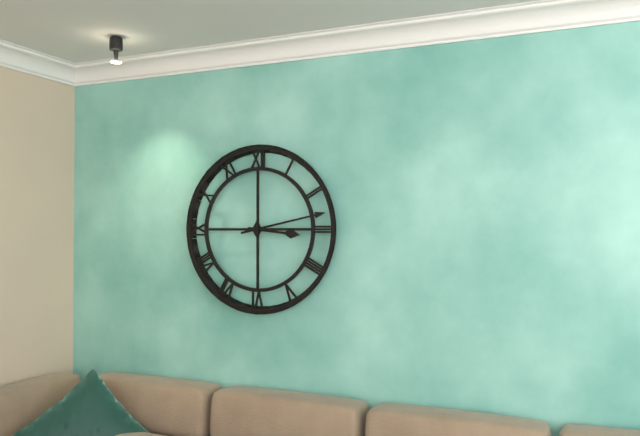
3:13
